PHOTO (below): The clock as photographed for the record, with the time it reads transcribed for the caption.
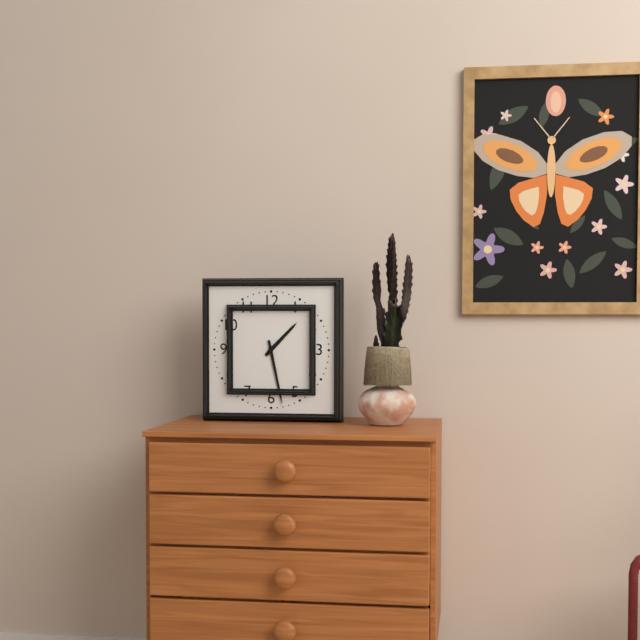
1:28
